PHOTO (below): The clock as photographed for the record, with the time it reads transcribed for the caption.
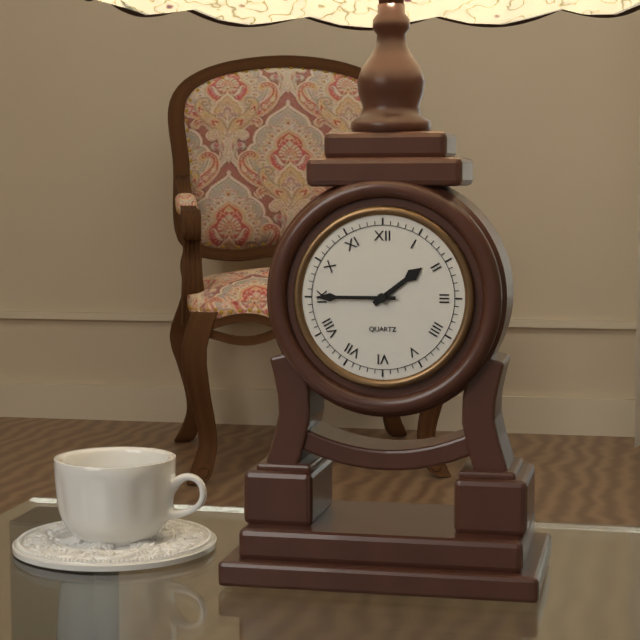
1:45
